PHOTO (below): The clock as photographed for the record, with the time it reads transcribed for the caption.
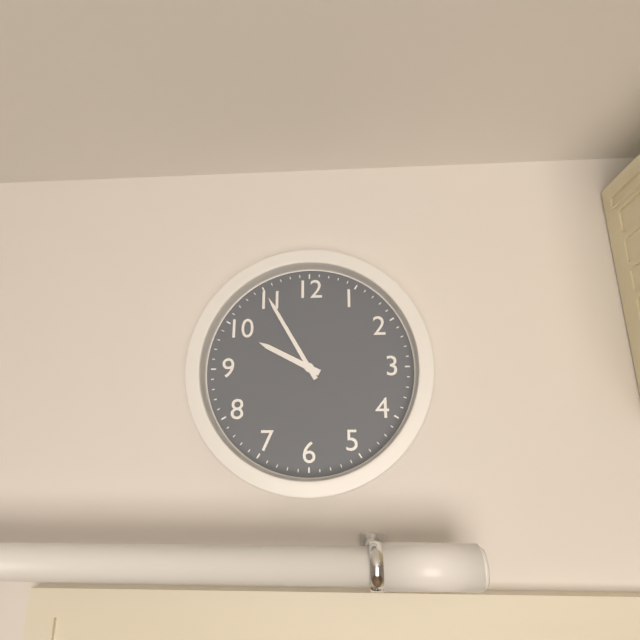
9:55
